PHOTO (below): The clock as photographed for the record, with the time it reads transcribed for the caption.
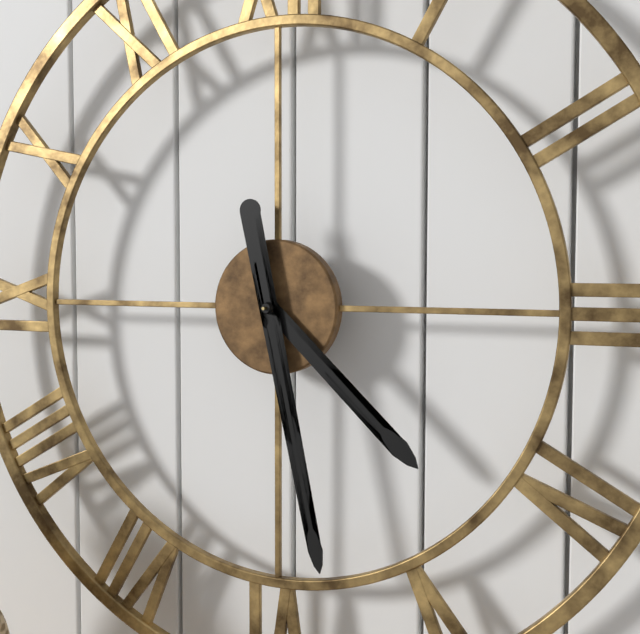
4:28
